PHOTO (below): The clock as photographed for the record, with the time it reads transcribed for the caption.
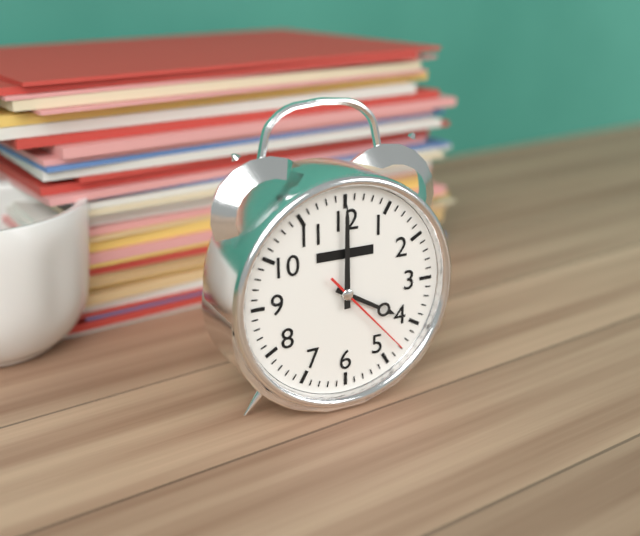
4:00:23
